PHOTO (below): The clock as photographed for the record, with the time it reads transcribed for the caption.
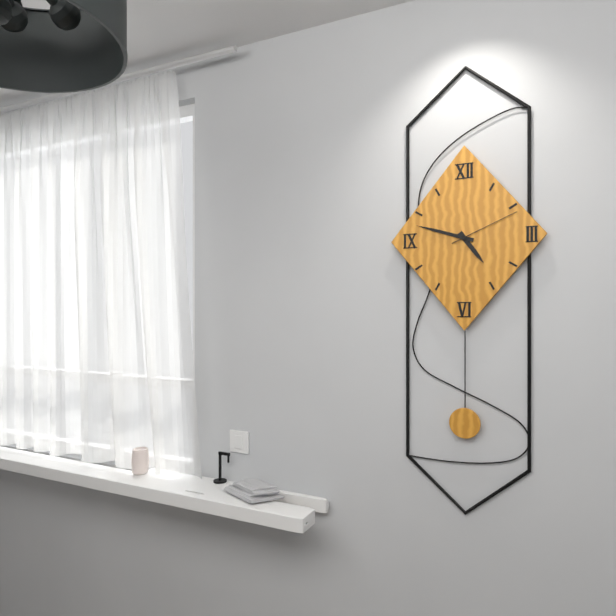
4:48:11
